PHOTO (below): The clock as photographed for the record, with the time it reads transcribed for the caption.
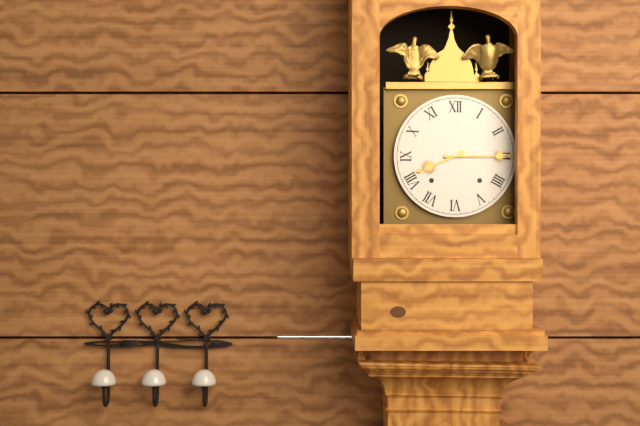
8:15
